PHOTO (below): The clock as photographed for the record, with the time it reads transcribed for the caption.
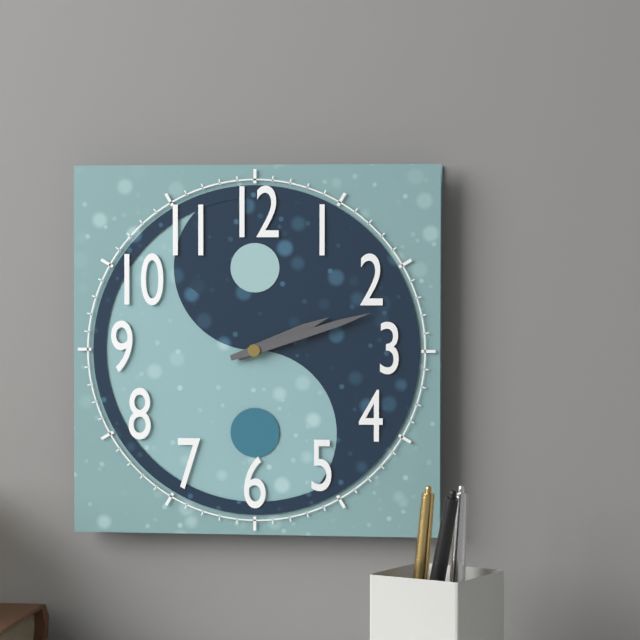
2:12
